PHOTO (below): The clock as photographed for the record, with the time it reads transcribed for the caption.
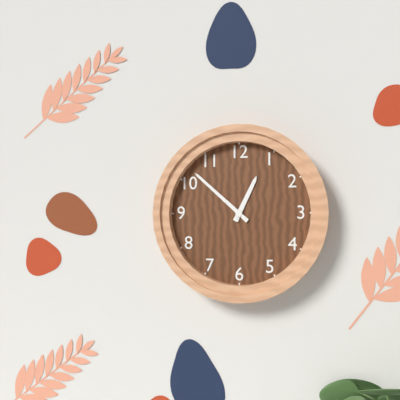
12:52
